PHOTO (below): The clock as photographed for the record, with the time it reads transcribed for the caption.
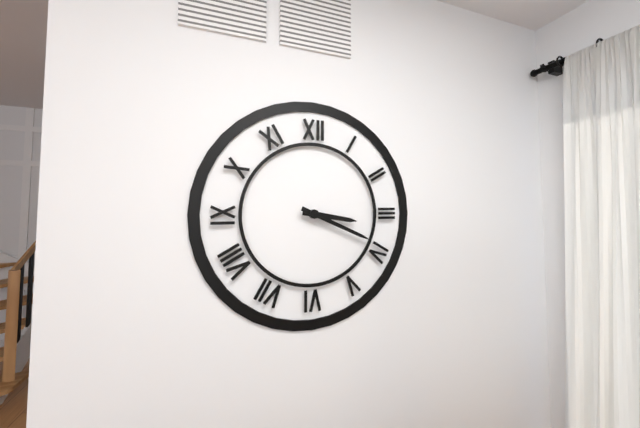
3:19
